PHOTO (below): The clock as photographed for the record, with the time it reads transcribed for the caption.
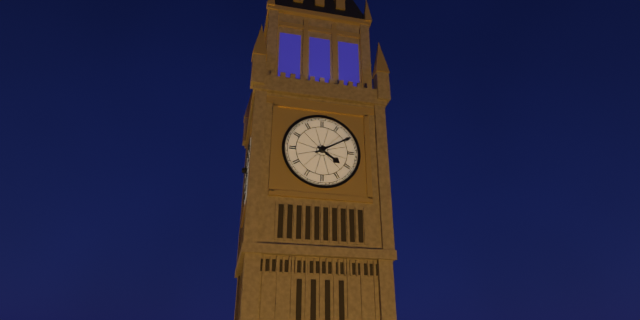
4:10
